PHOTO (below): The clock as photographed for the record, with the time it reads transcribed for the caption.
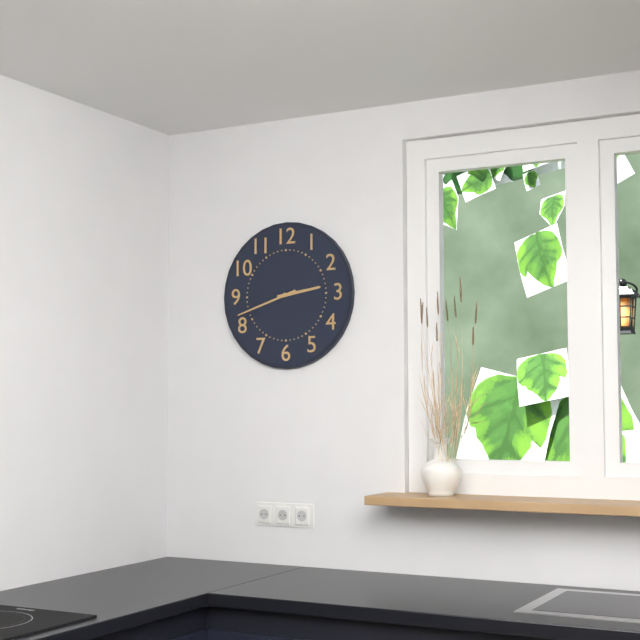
2:42
